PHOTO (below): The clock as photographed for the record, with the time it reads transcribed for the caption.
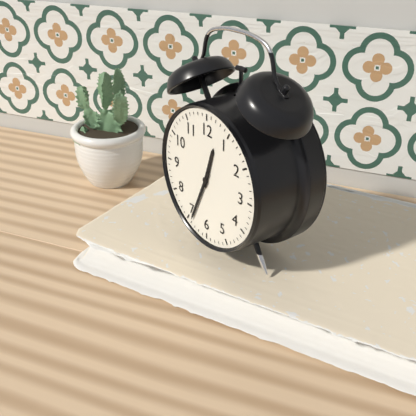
12:34
